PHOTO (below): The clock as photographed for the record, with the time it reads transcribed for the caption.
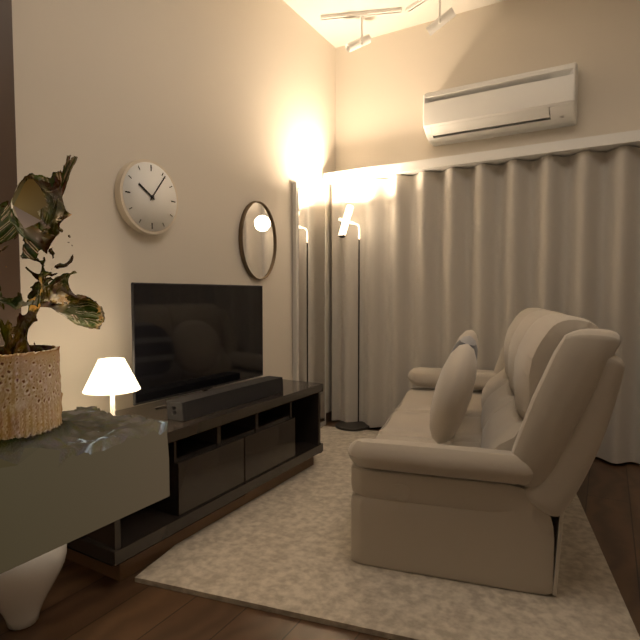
10:06
